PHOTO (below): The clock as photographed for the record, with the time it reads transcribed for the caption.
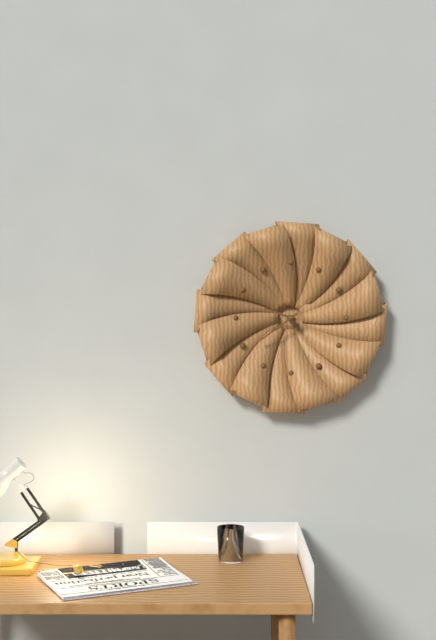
9:39
